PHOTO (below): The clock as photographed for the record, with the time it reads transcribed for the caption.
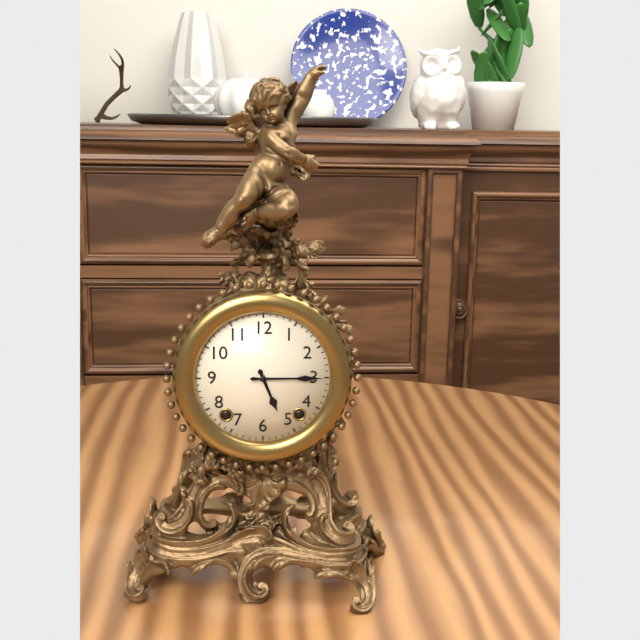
5:15
